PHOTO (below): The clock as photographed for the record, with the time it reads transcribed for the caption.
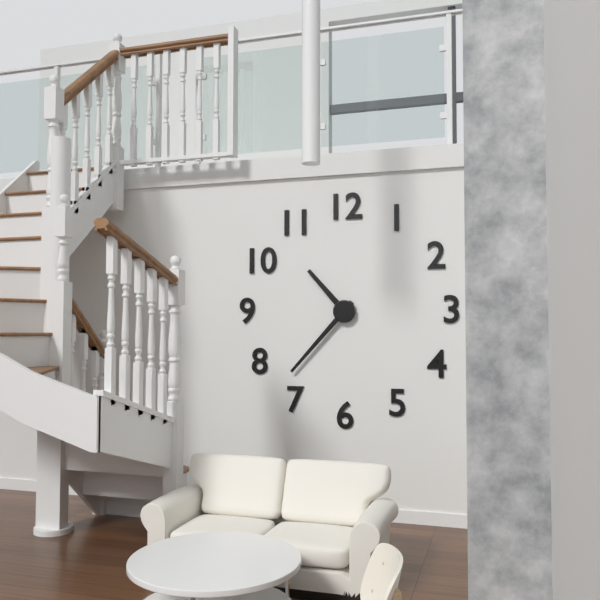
10:37
